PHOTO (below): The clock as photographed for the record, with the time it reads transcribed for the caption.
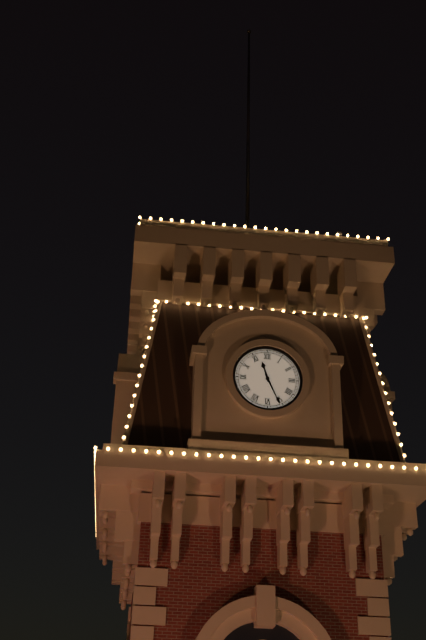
11:26
